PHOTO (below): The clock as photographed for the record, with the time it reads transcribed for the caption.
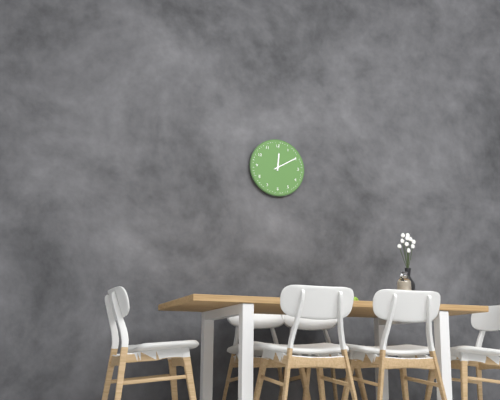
12:10
